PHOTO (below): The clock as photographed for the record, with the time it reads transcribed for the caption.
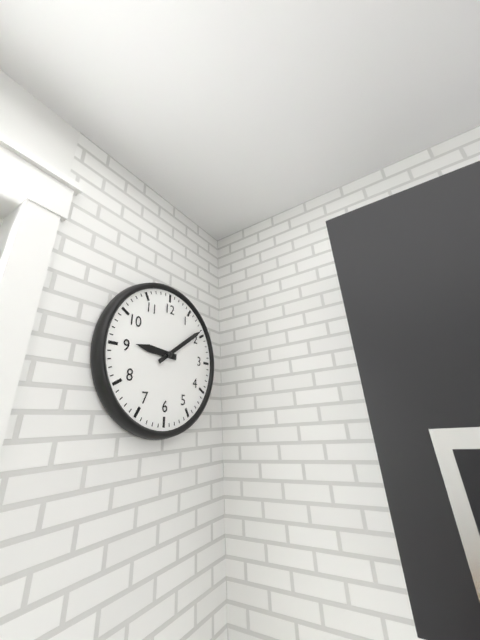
9:09
